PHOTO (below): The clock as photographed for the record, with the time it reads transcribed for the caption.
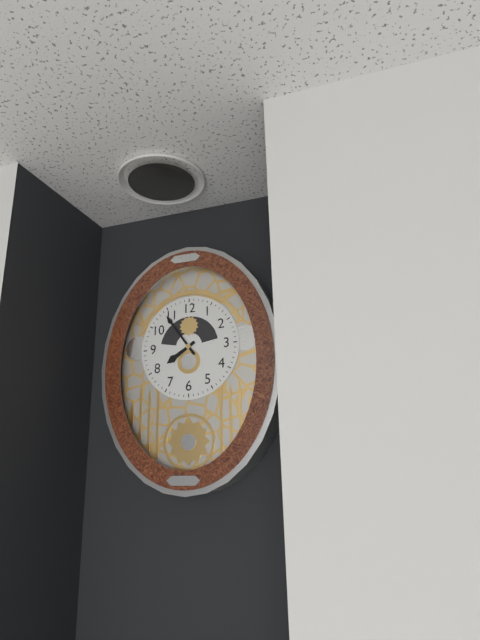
7:54
